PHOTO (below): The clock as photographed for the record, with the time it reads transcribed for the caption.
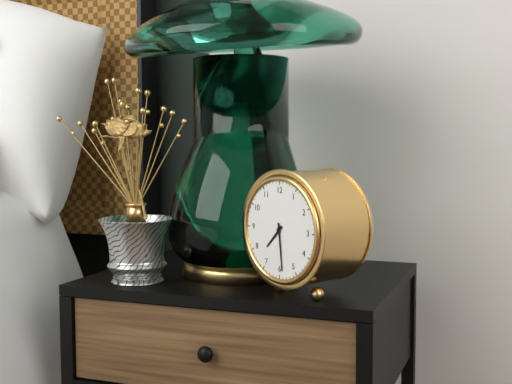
7:29
